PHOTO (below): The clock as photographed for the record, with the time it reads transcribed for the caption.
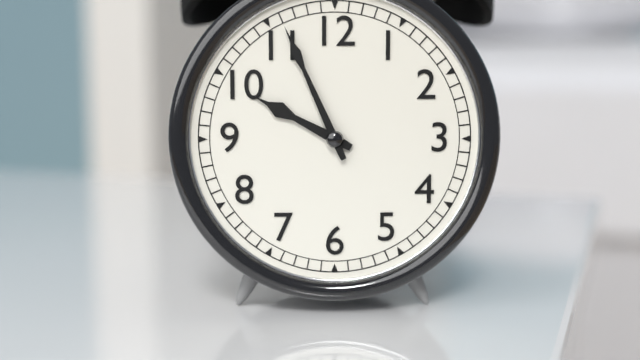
9:56
